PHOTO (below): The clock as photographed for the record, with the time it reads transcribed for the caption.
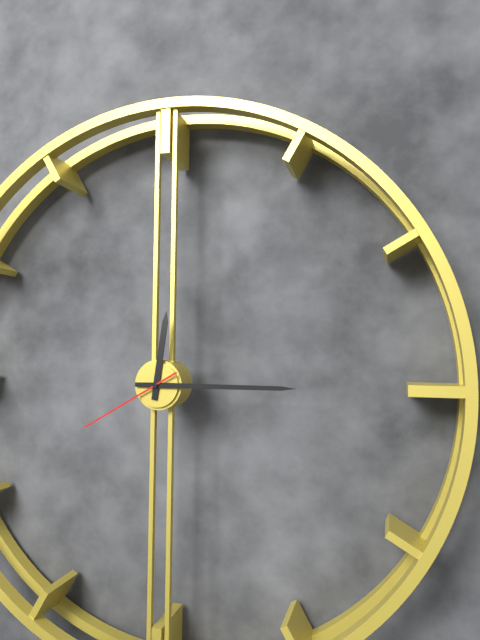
12:15:40
